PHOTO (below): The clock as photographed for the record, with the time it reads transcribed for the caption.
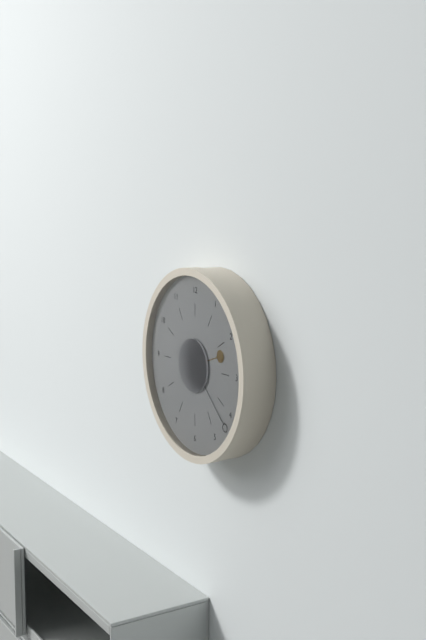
2:22
